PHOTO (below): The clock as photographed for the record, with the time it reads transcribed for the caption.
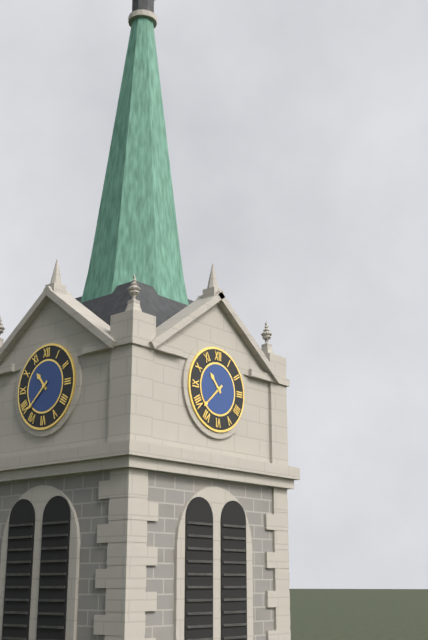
10:38
